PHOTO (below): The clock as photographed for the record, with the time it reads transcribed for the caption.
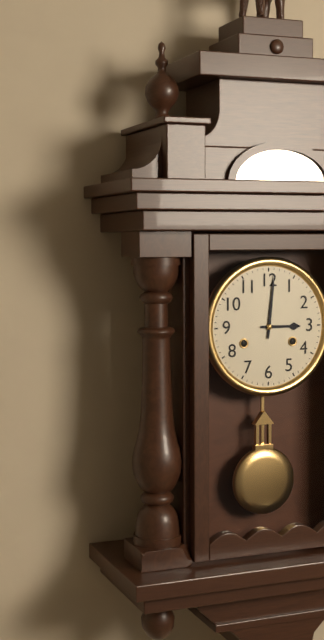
3:01
